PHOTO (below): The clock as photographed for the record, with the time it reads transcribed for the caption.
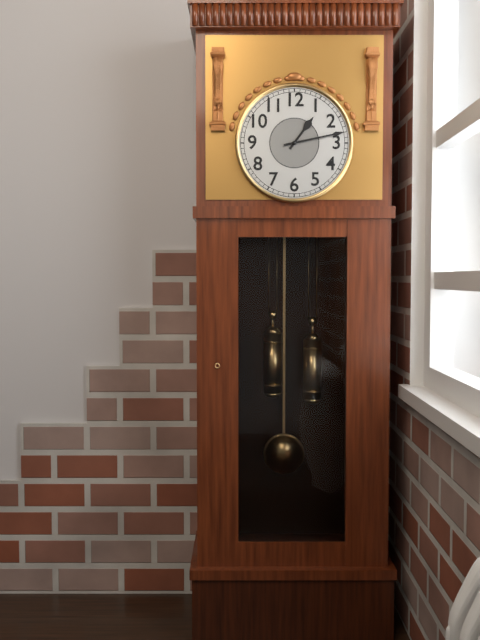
1:13
